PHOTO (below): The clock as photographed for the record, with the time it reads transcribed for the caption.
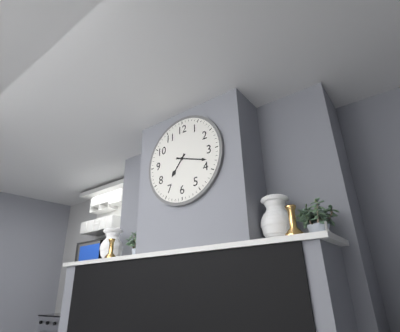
7:18
